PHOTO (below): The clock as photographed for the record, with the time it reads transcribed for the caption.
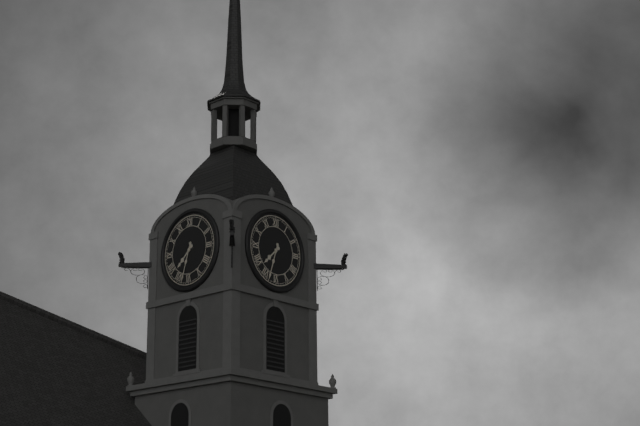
7:33
